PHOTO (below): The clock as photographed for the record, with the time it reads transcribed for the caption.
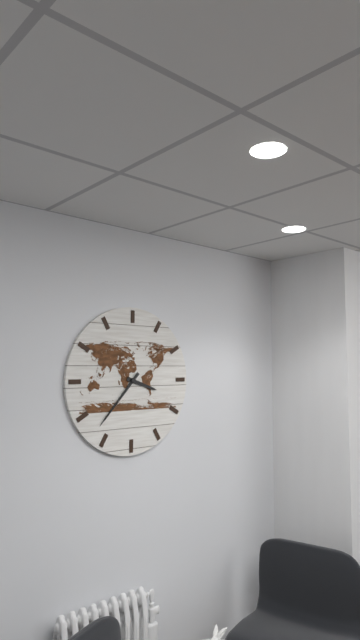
3:37
